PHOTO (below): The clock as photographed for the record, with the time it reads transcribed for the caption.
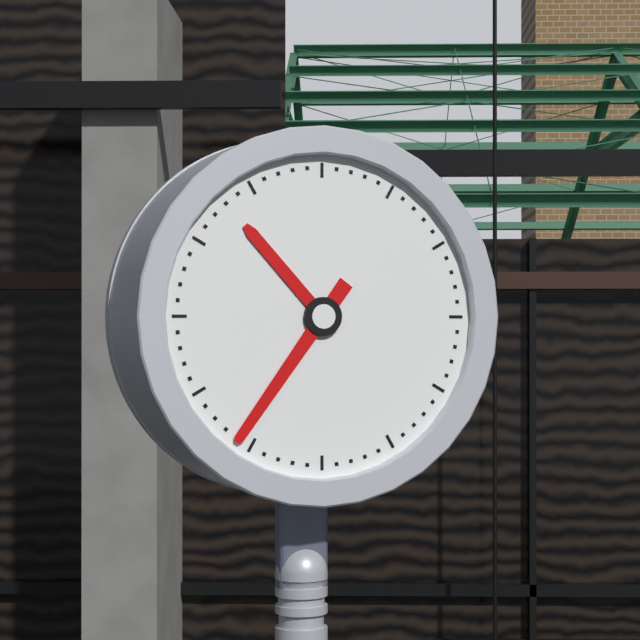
10:36
